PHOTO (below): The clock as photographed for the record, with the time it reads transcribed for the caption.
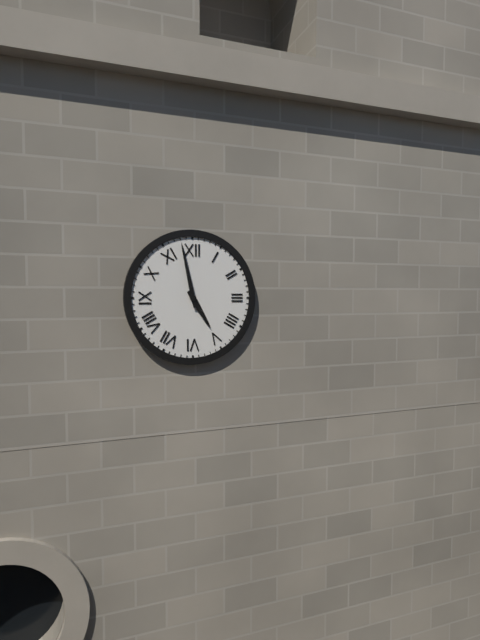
4:58
